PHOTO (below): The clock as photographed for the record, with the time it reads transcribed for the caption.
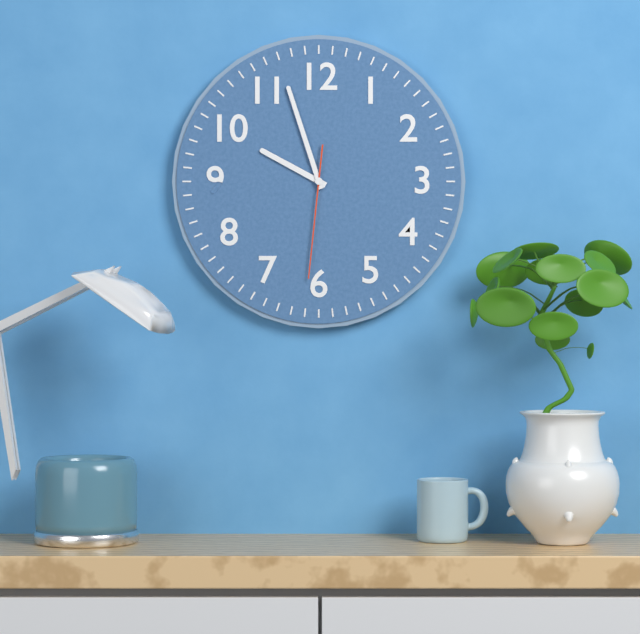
9:57:31
